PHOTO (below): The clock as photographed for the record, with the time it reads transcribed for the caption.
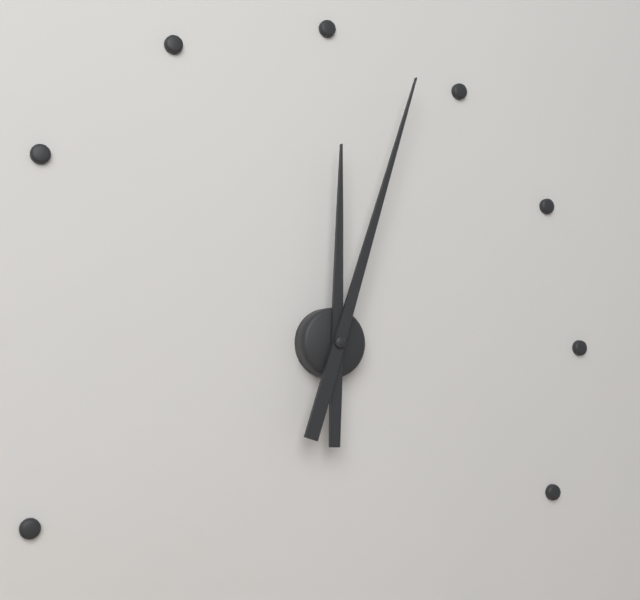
12:03
